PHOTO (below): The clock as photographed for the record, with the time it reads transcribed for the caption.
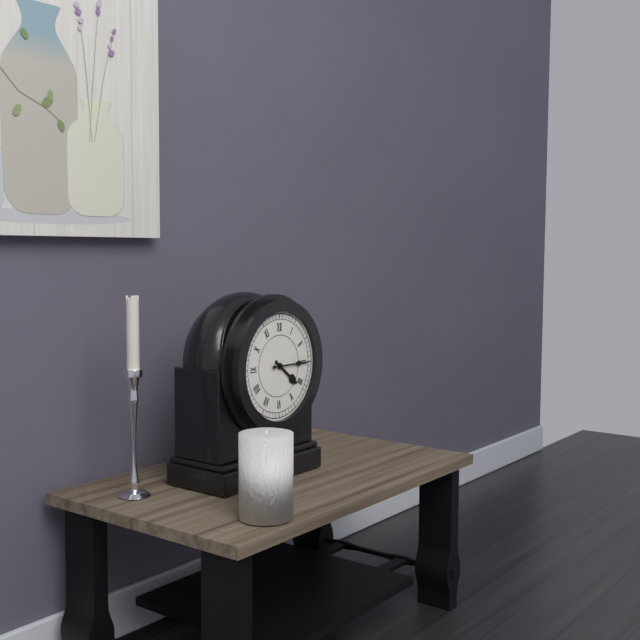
4:15
